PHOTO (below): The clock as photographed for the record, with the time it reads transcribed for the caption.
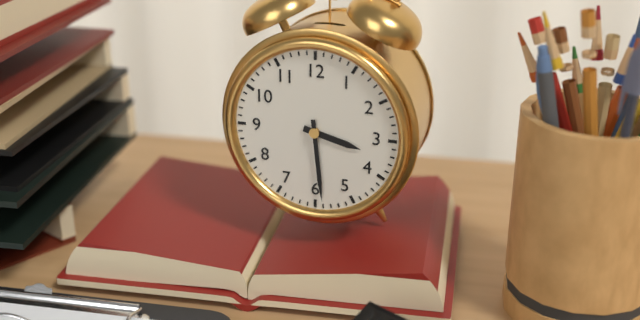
3:29
